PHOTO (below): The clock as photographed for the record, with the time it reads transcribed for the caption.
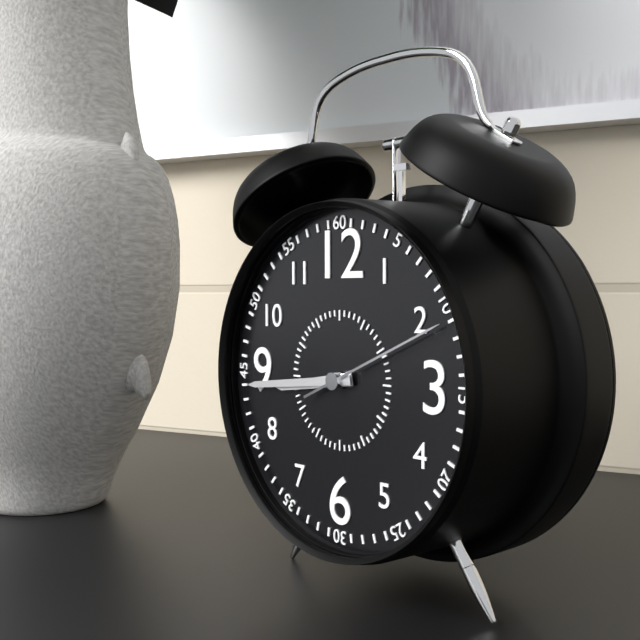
8:44:11
